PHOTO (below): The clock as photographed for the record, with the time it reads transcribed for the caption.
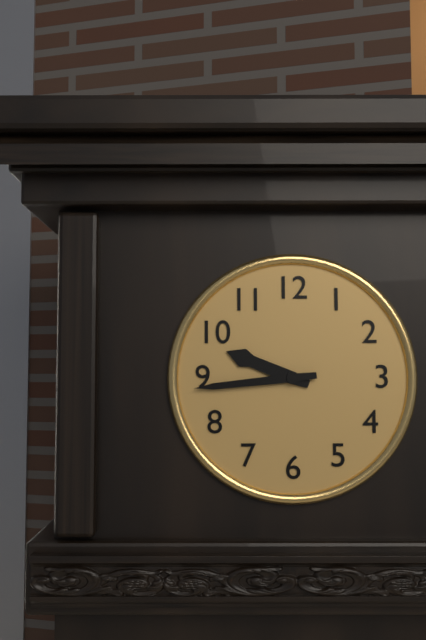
9:44
